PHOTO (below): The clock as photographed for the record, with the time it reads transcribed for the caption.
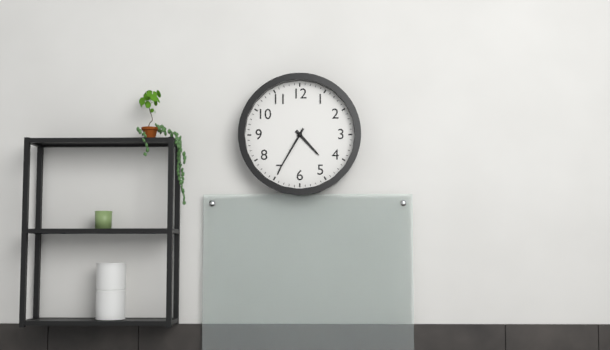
4:35
